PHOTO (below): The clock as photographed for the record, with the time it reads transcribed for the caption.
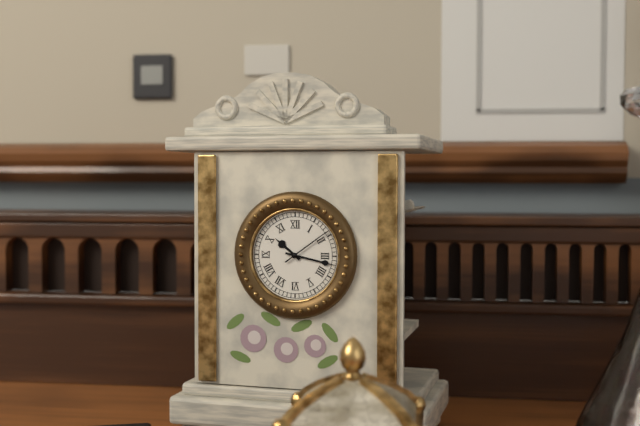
10:17:09
